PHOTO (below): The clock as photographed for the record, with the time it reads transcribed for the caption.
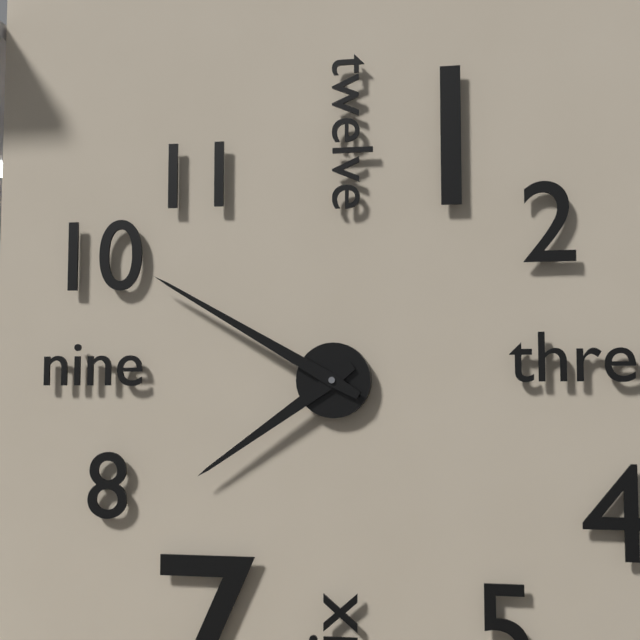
7:50
